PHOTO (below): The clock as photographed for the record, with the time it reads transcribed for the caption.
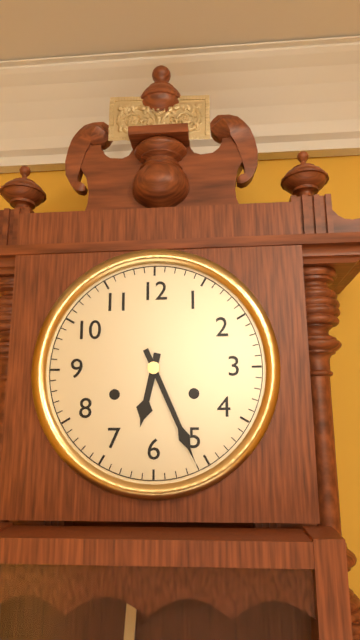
6:26
